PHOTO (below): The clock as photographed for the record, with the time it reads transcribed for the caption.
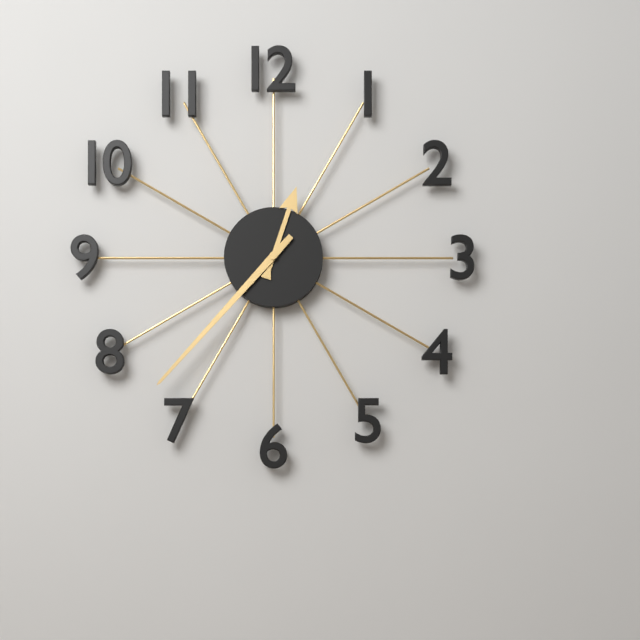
12:37
